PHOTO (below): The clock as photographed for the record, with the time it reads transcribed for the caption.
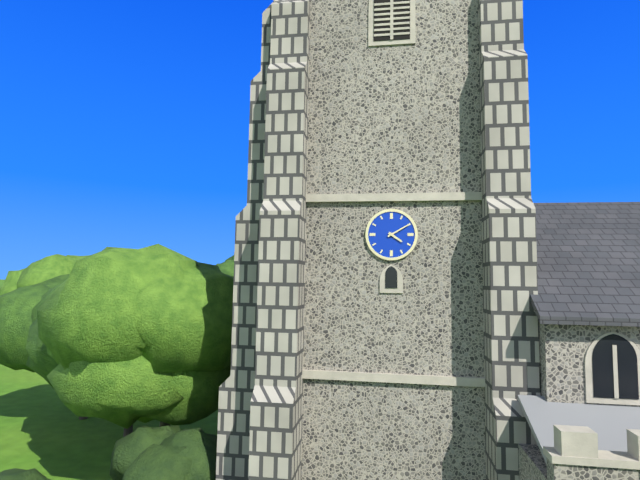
4:10
